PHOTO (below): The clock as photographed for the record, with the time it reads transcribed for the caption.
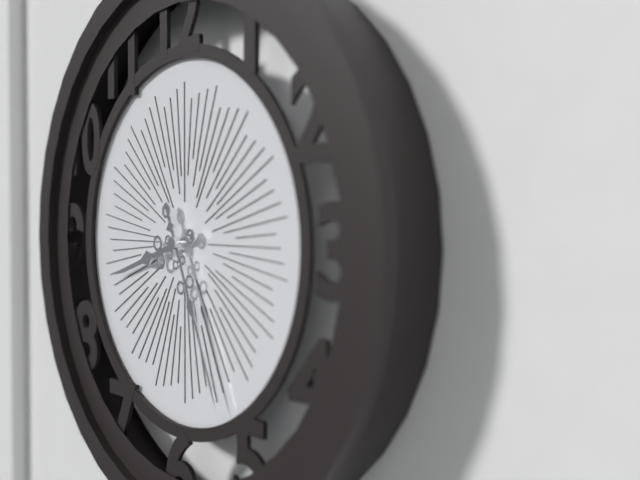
8:26
